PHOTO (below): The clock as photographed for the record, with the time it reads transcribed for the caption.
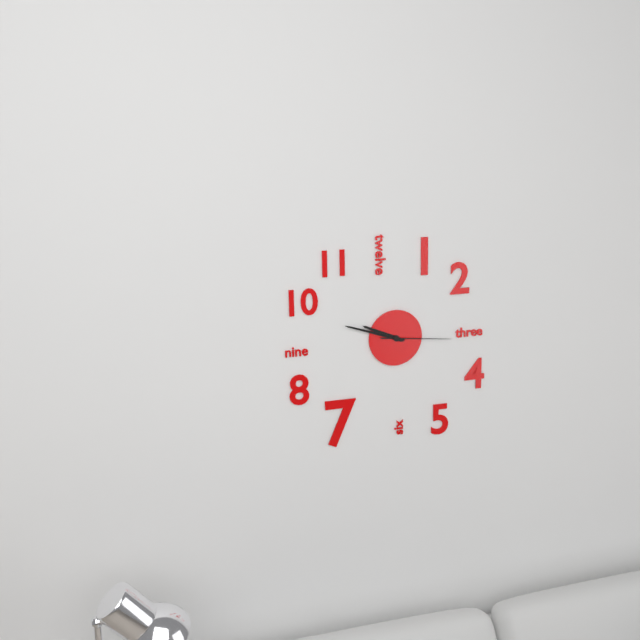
9:48:16
